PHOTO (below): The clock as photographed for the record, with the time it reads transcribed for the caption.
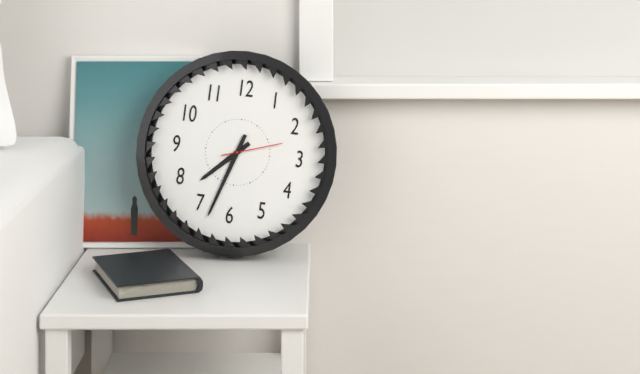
7:33:12
